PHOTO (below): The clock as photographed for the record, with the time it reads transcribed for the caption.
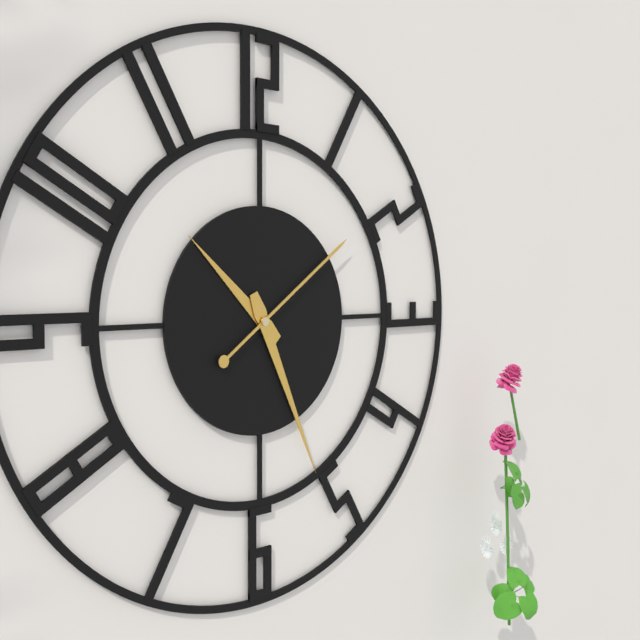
10:26:09
